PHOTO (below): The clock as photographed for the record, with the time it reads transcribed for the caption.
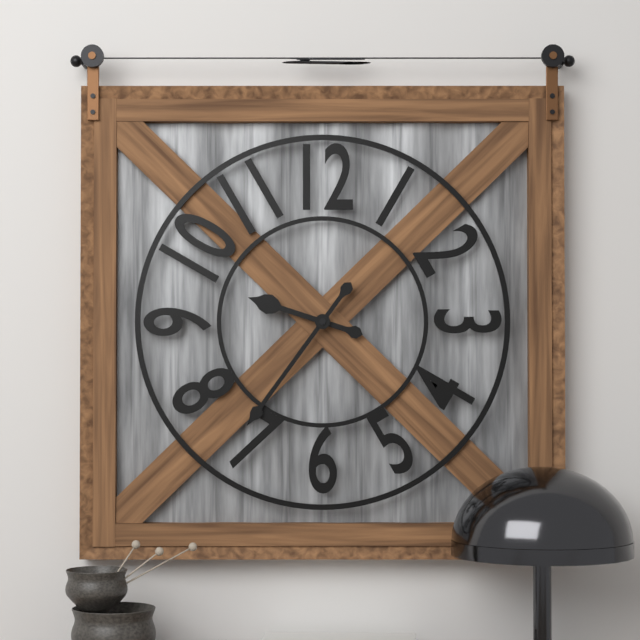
9:36
